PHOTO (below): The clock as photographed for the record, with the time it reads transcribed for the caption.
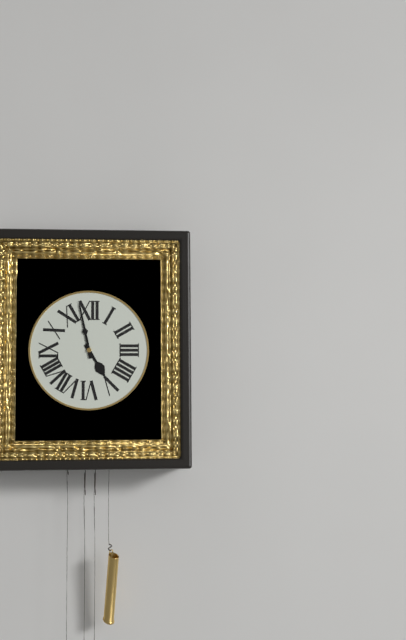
4:58
